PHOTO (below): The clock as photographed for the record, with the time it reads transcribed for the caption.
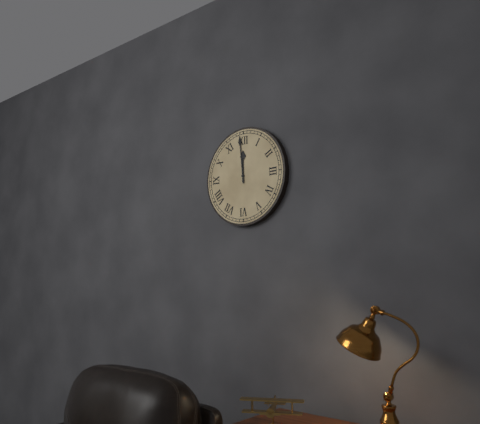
11:59
